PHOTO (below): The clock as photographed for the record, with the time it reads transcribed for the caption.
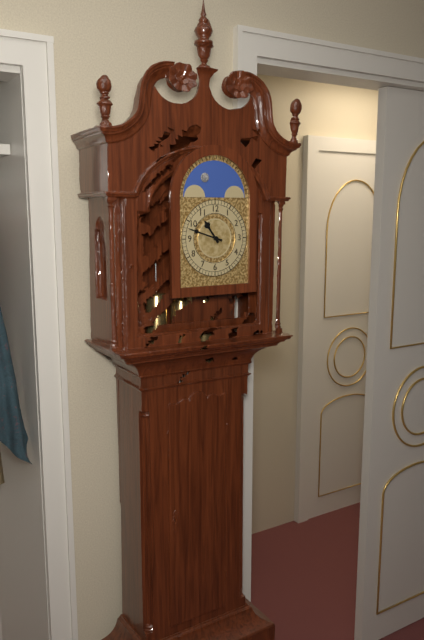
10:48
